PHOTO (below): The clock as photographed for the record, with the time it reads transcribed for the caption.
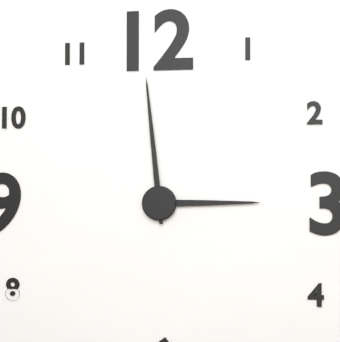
2:59
